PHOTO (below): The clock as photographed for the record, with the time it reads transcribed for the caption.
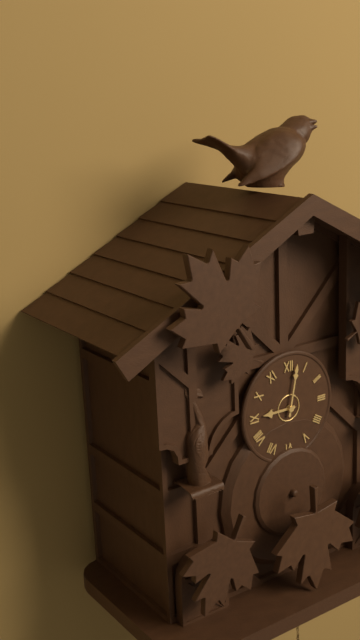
9:02
